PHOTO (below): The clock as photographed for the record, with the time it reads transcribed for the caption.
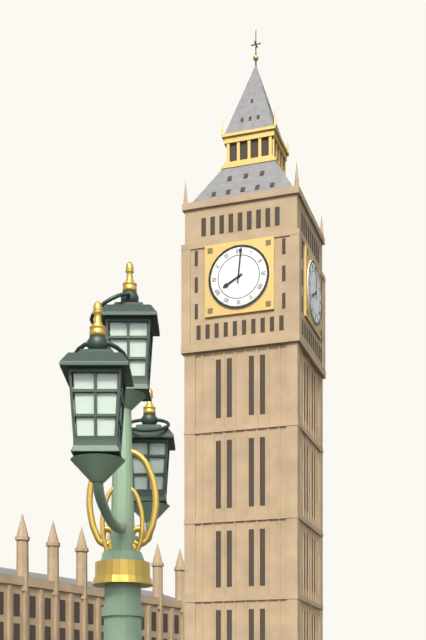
8:01
